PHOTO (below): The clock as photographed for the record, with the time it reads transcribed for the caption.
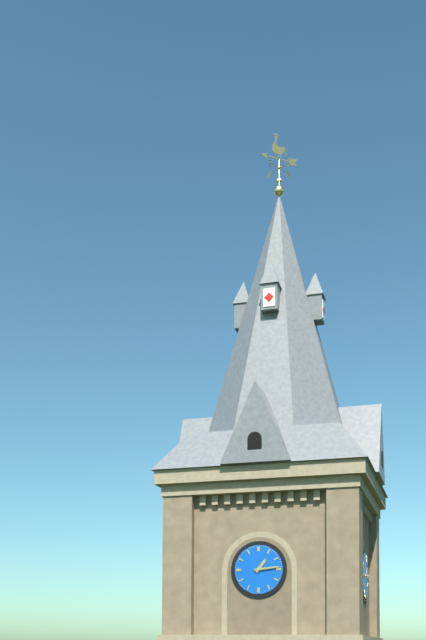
1:14
